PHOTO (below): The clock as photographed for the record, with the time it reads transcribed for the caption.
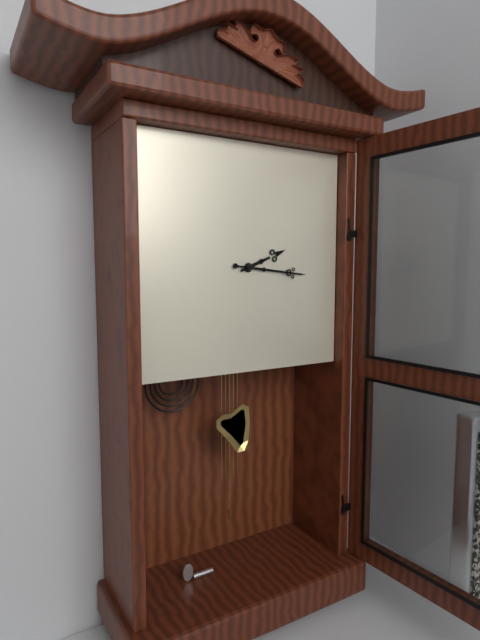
2:16
